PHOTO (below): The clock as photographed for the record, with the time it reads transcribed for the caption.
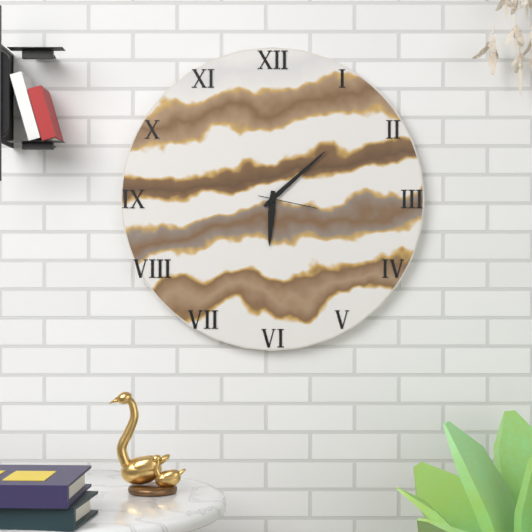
6:08:17
